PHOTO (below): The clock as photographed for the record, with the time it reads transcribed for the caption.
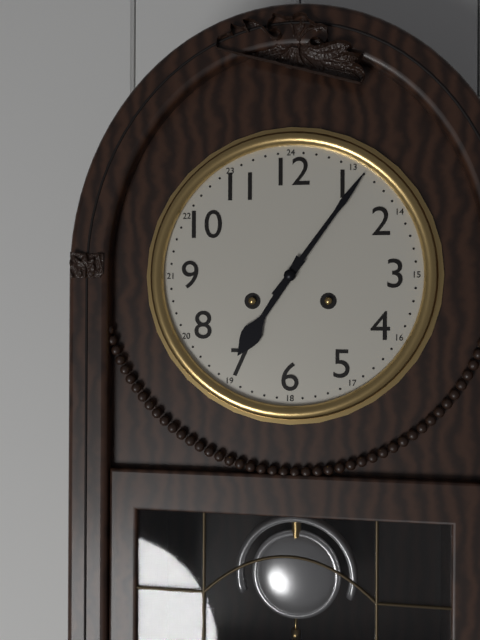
7:06
